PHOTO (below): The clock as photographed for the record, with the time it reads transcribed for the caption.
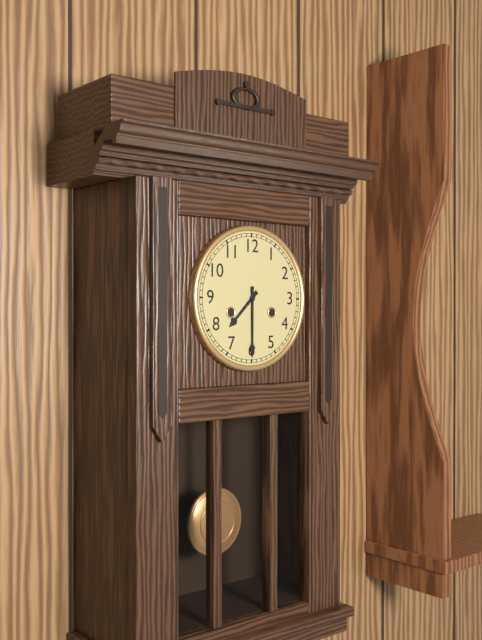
7:30
